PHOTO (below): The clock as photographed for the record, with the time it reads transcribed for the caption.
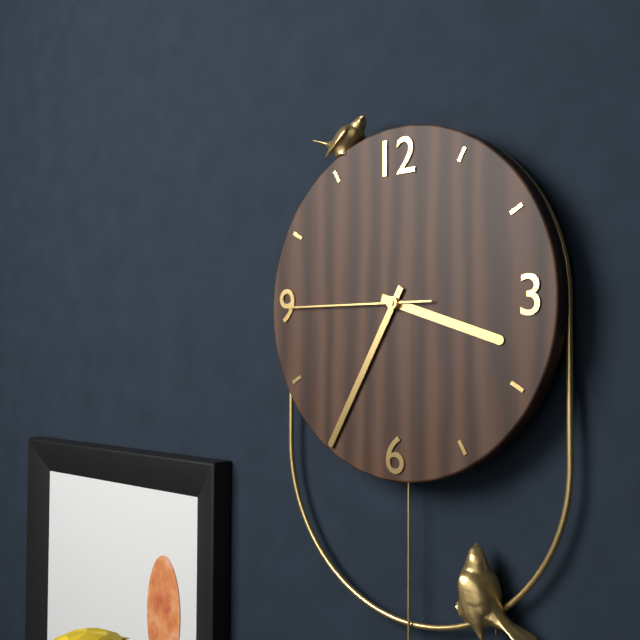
3:35:45
